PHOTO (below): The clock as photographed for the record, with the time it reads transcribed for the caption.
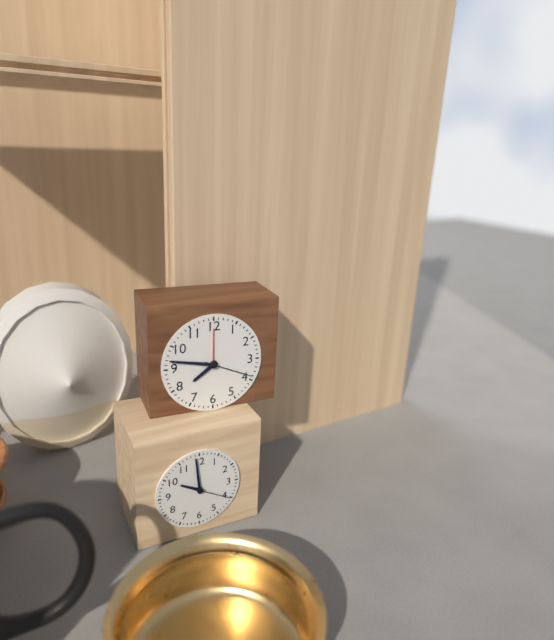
7:47:19
